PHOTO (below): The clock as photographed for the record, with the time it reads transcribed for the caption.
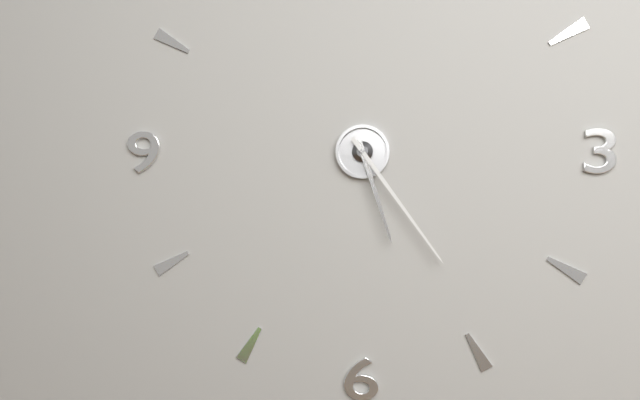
5:24
